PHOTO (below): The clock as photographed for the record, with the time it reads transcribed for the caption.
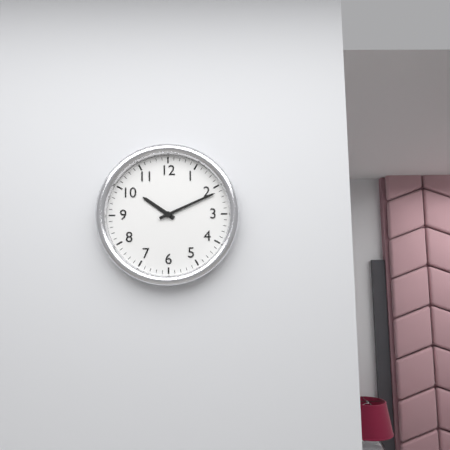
10:11
